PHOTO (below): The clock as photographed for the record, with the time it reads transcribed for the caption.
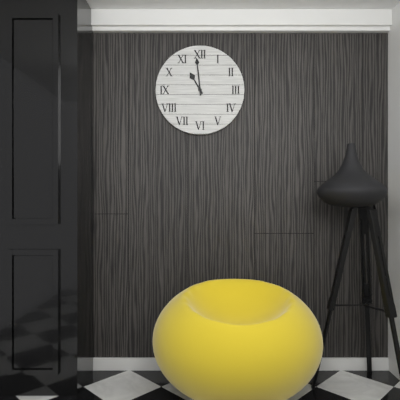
10:59
